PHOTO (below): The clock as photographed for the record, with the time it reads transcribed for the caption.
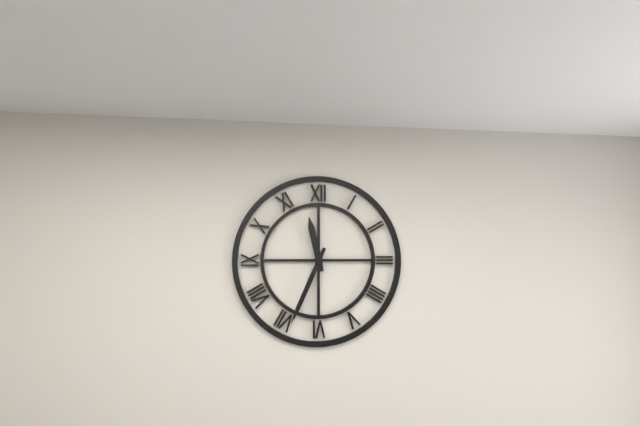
11:34
